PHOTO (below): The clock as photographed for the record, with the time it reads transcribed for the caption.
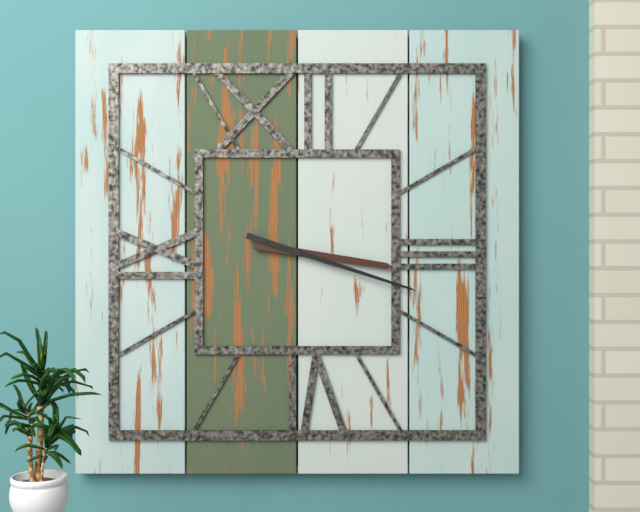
3:18
